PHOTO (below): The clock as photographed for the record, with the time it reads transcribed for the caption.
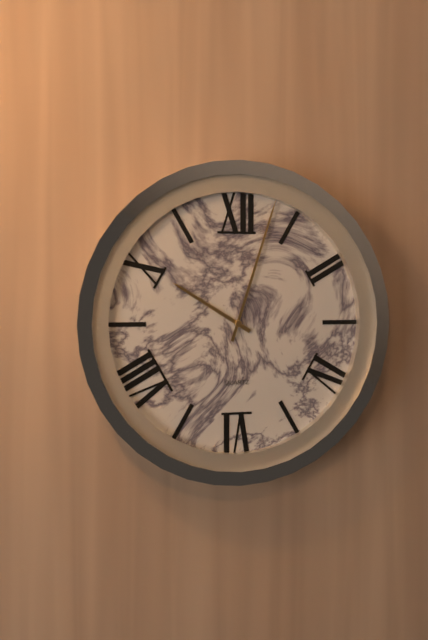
10:03
